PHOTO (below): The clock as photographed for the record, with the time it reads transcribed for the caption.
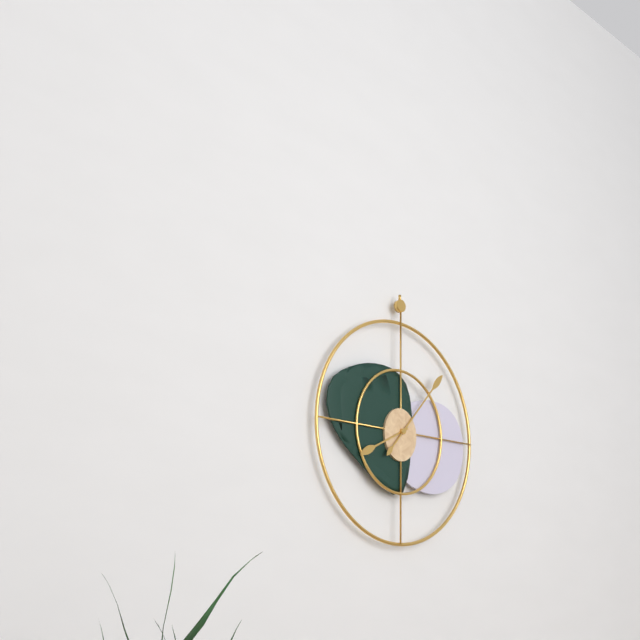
8:07
